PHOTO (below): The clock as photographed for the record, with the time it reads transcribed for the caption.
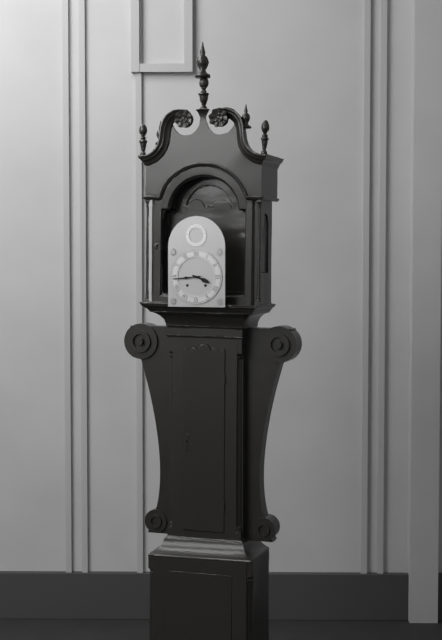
3:44
